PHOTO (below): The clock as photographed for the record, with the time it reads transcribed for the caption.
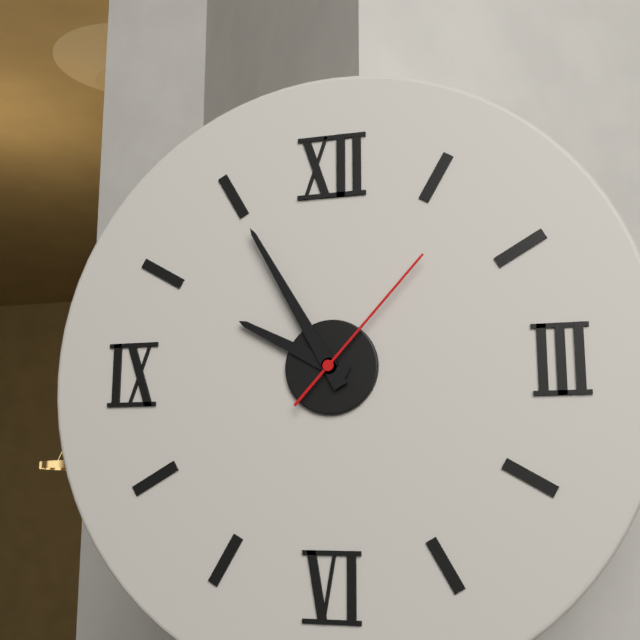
9:55:07
